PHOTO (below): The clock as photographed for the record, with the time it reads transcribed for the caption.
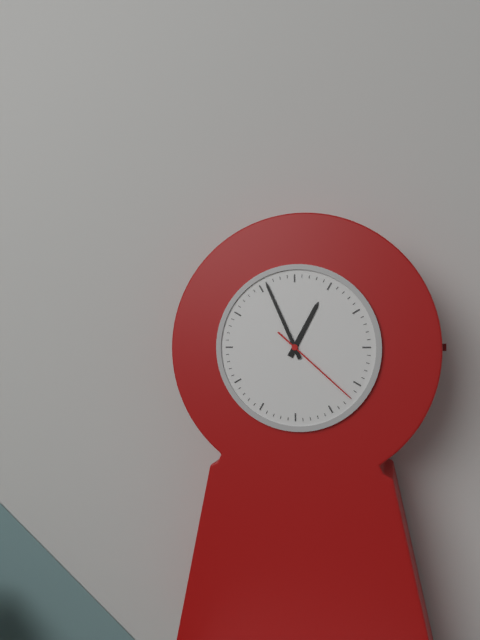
12:56:22
